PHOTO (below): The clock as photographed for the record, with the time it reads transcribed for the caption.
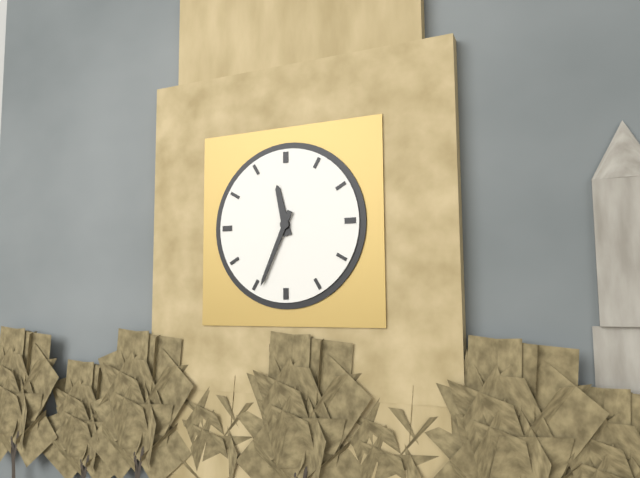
11:34
